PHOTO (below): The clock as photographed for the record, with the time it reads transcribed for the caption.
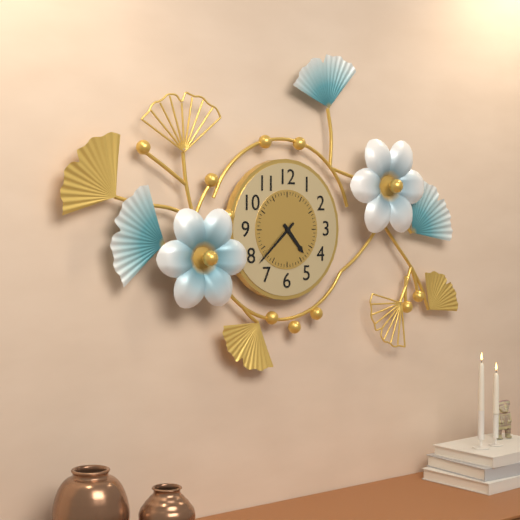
4:38
